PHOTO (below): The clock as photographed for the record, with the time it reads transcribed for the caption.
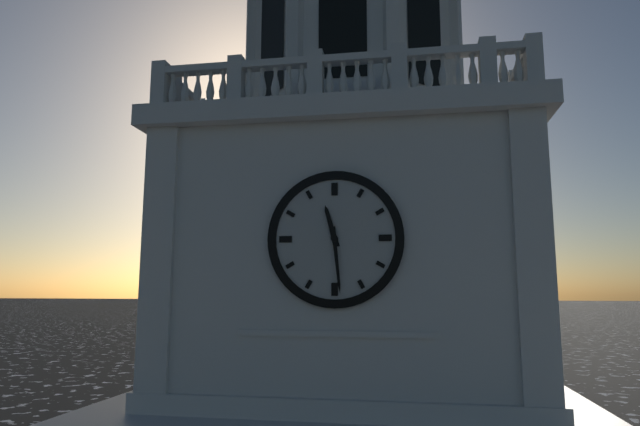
11:29
